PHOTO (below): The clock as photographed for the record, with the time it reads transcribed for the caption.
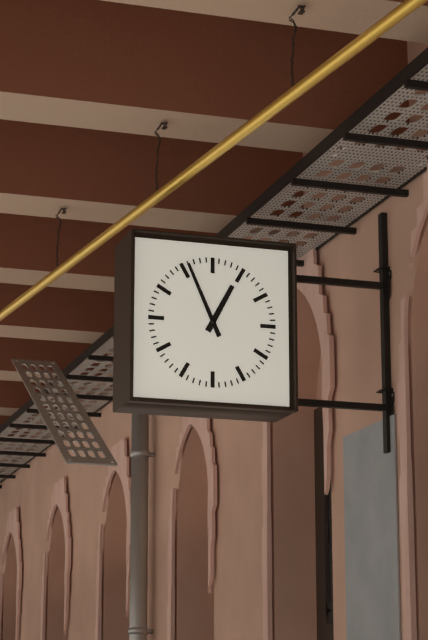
12:56
